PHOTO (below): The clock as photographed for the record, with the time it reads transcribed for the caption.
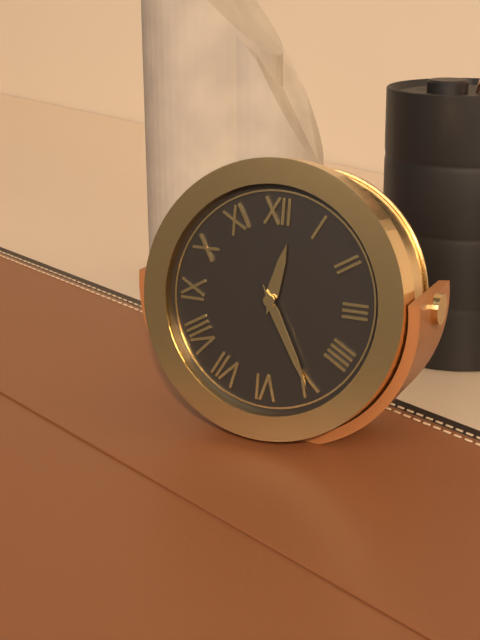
12:25
